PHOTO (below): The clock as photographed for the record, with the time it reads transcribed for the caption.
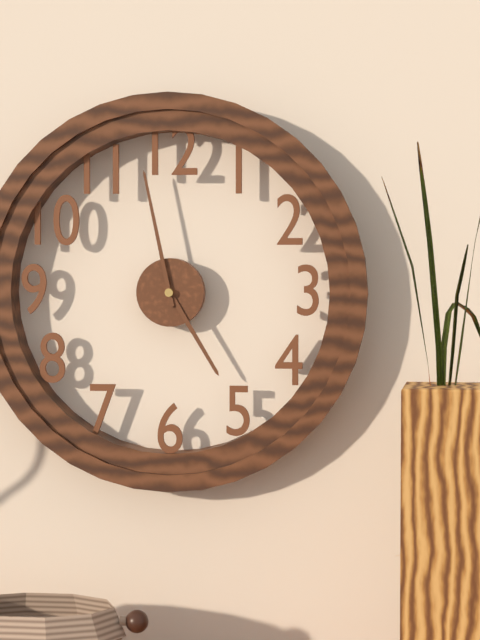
4:58
